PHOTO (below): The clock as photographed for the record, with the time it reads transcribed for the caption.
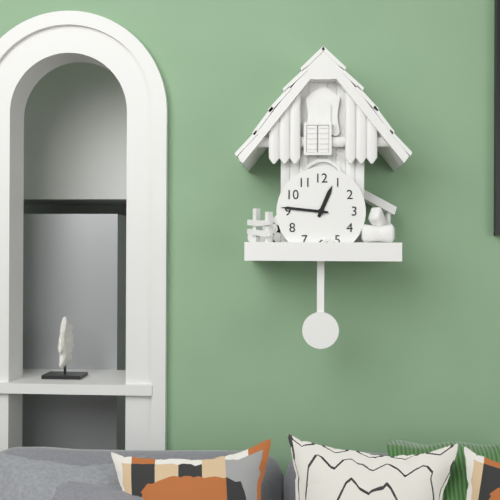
12:46
